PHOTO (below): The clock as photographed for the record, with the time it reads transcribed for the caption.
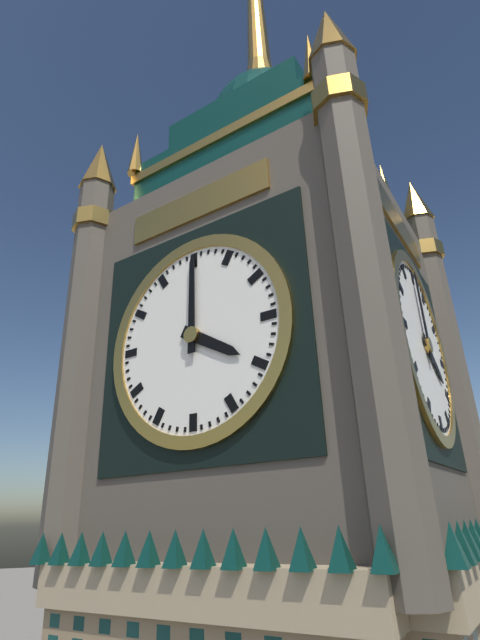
4:00
